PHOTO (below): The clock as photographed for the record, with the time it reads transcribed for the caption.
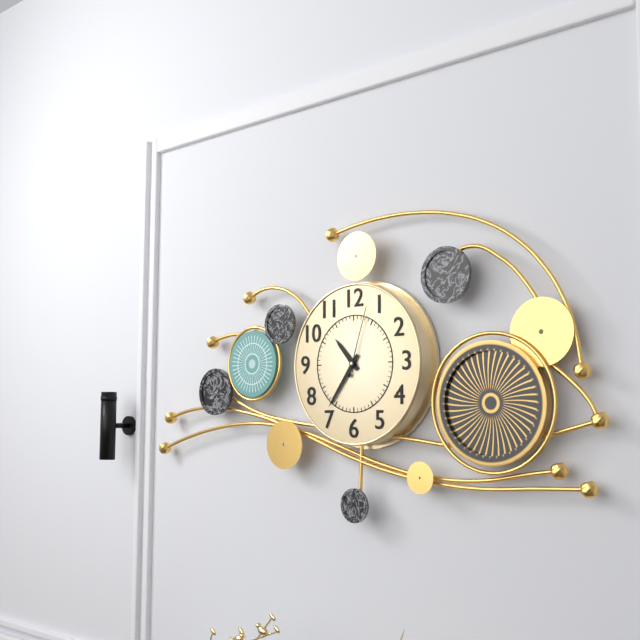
10:36:03
